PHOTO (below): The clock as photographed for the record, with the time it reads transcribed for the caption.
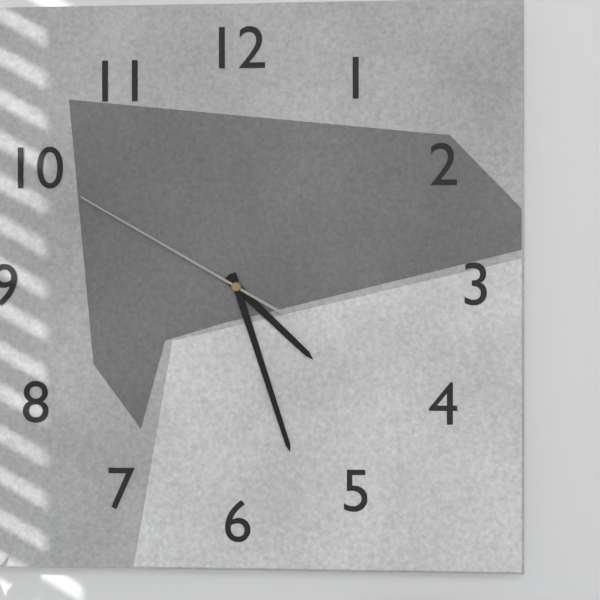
4:27:50
